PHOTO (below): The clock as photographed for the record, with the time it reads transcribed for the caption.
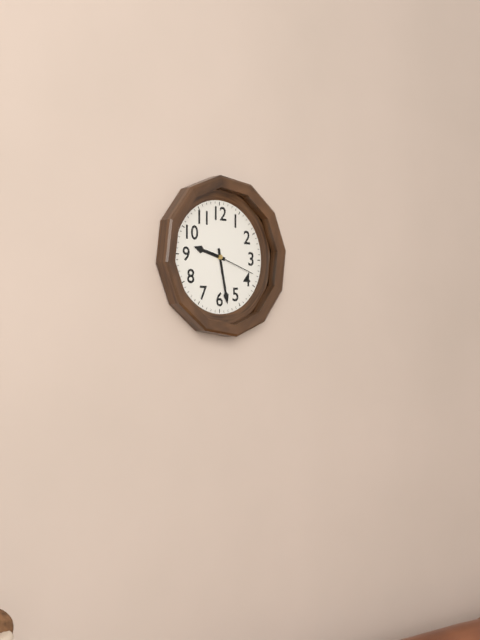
9:28
